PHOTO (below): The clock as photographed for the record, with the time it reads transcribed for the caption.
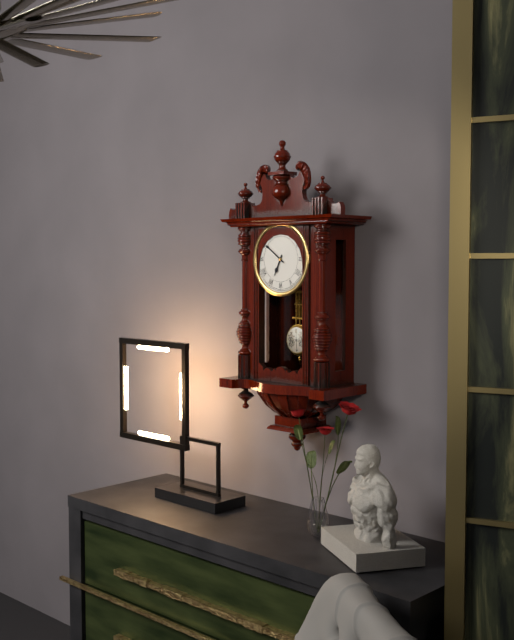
6:51
